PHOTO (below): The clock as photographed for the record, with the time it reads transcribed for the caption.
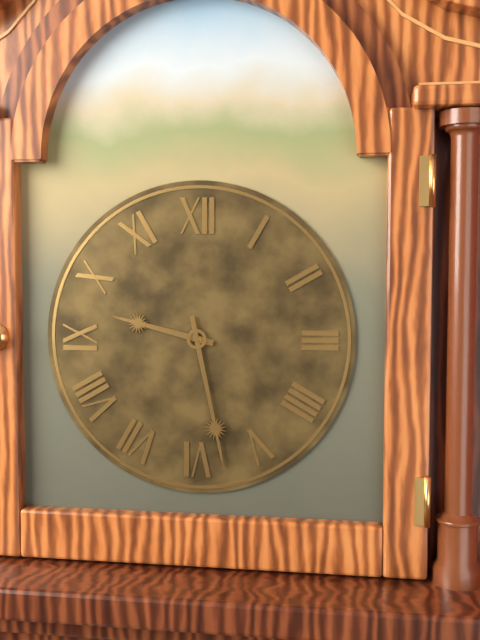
9:28
